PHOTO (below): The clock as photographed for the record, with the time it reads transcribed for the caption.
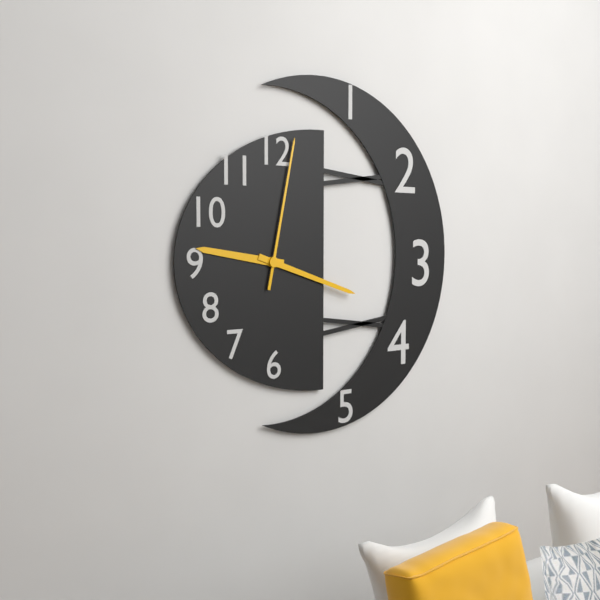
9:18:02
